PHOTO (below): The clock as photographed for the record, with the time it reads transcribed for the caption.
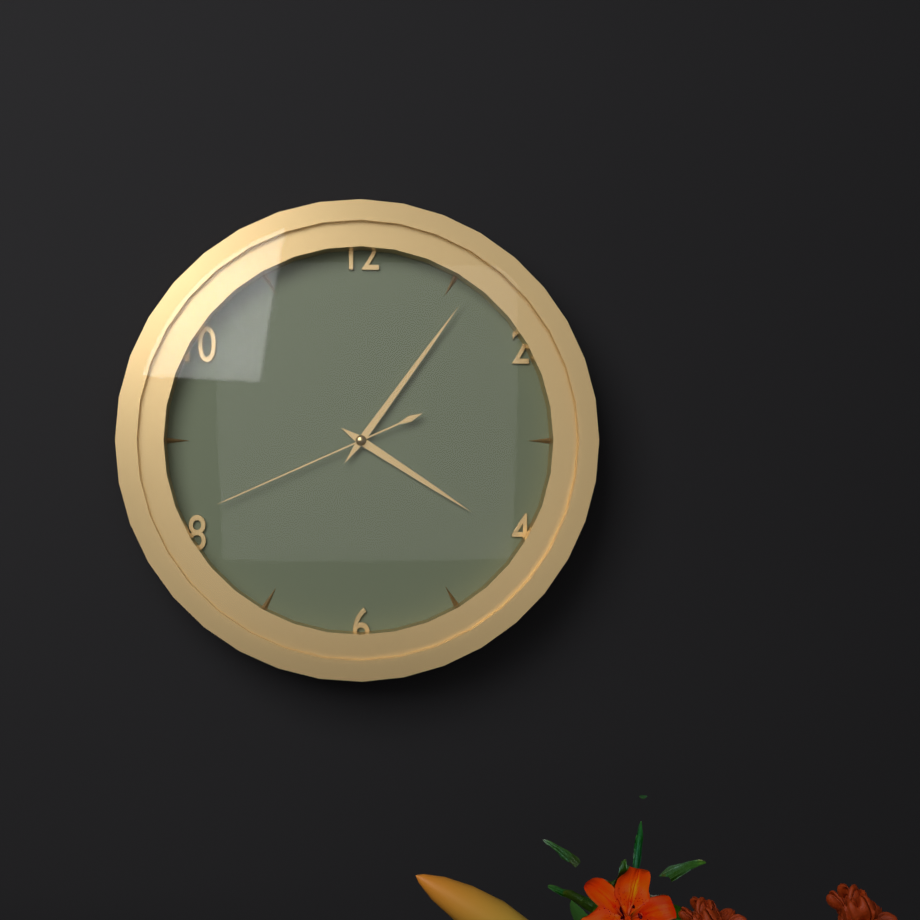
4:06:41
